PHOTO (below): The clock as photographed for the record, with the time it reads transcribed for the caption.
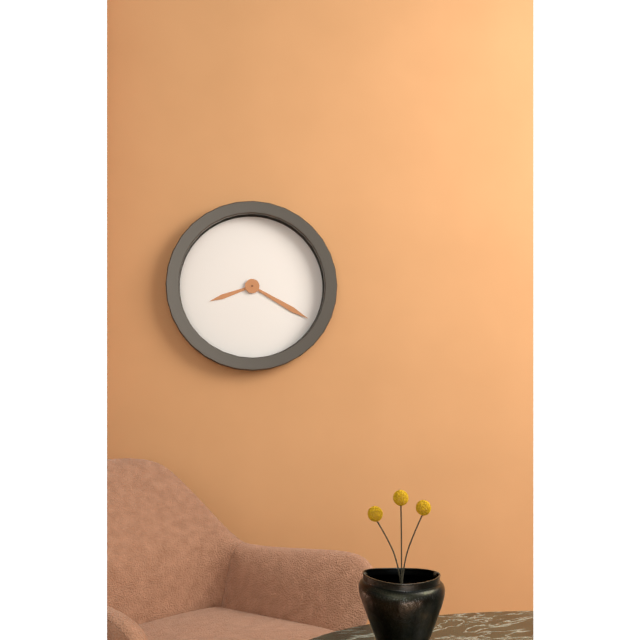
8:20
